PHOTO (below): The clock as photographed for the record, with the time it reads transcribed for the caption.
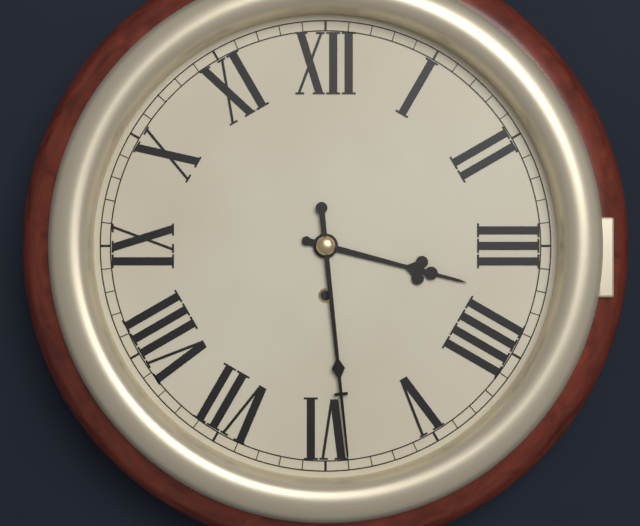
3:29
